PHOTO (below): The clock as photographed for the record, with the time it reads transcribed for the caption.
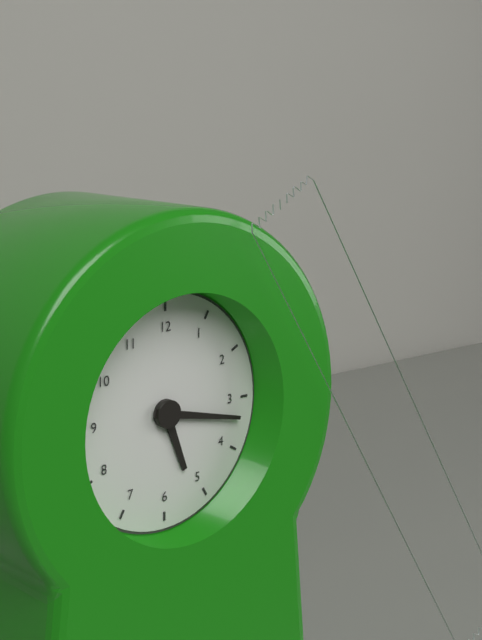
5:17
